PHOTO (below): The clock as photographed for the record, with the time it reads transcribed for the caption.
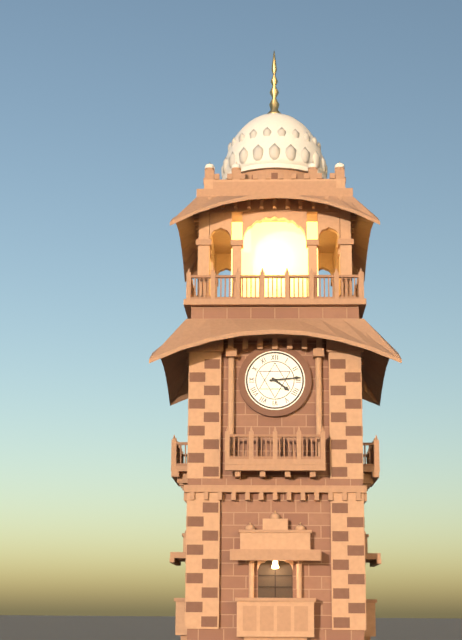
4:14
